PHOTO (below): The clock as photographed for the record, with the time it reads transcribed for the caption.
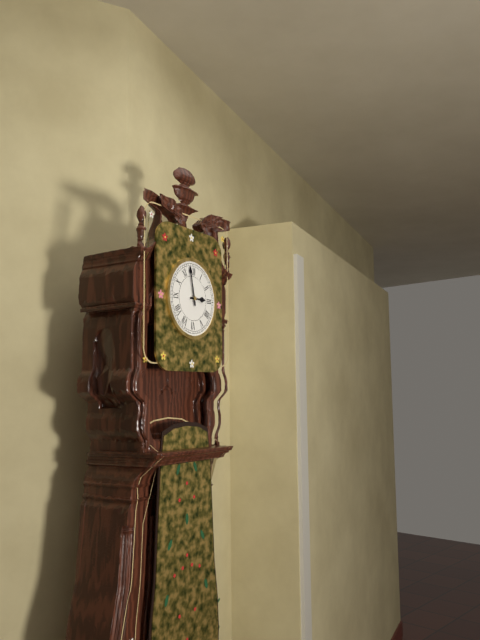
2:58
